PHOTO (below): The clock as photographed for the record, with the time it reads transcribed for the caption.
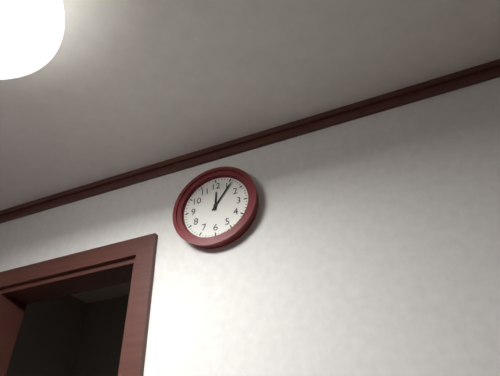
12:06
